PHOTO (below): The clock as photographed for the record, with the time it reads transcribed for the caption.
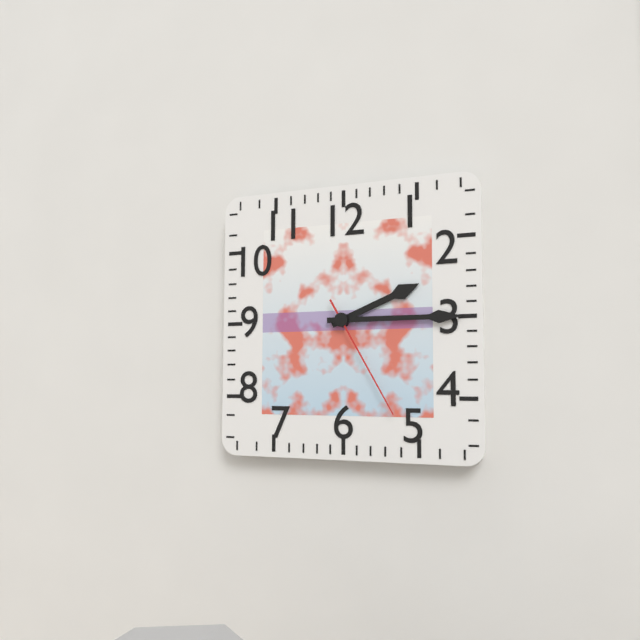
2:15:25
